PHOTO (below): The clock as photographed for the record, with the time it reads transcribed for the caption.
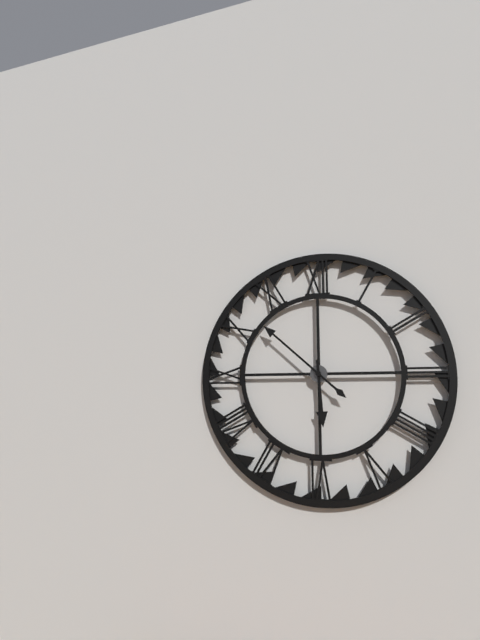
5:52
